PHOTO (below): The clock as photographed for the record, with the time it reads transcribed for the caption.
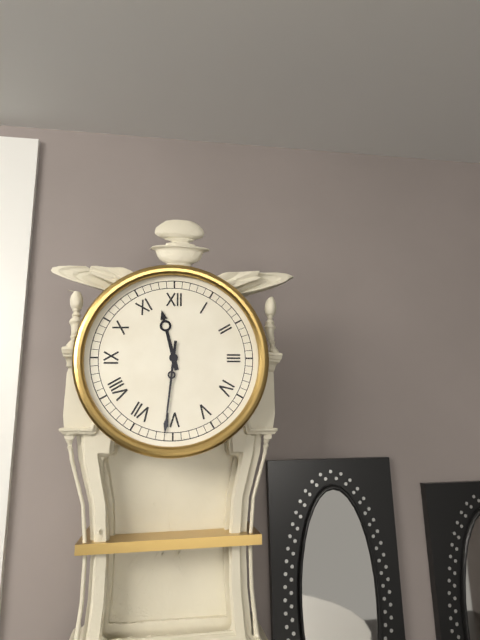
11:31
